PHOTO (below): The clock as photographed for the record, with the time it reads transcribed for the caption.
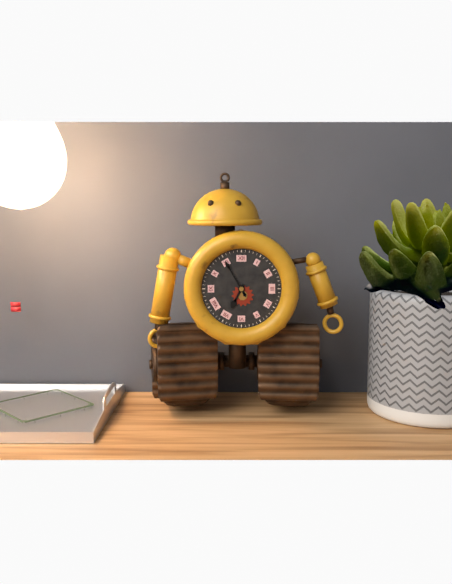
6:55
